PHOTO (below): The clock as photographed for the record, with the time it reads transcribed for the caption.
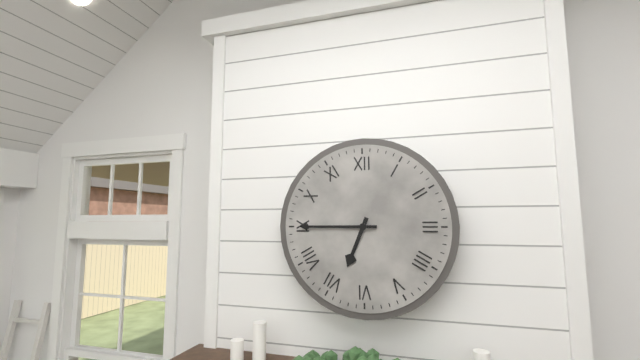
6:45
